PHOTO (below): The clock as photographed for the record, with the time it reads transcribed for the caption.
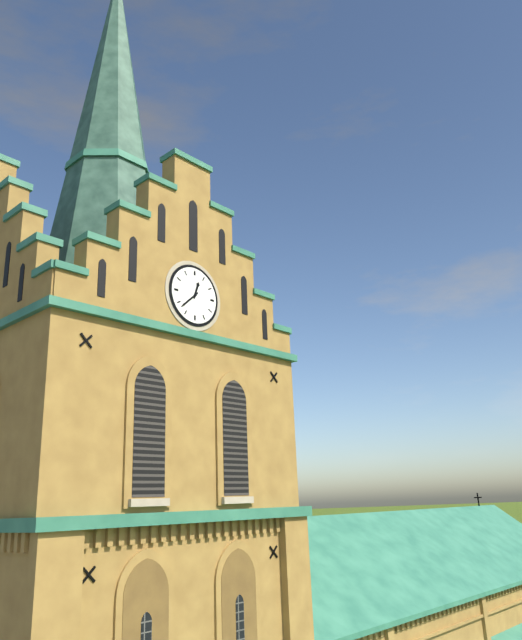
12:38
